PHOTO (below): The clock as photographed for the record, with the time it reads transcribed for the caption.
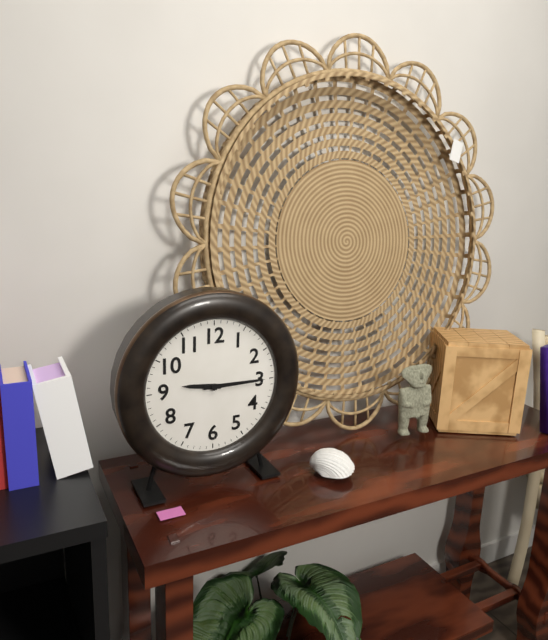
9:15
